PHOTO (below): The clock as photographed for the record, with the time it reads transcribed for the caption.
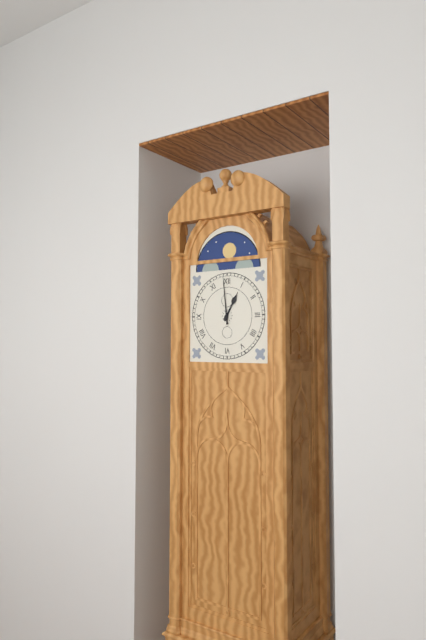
12:59
